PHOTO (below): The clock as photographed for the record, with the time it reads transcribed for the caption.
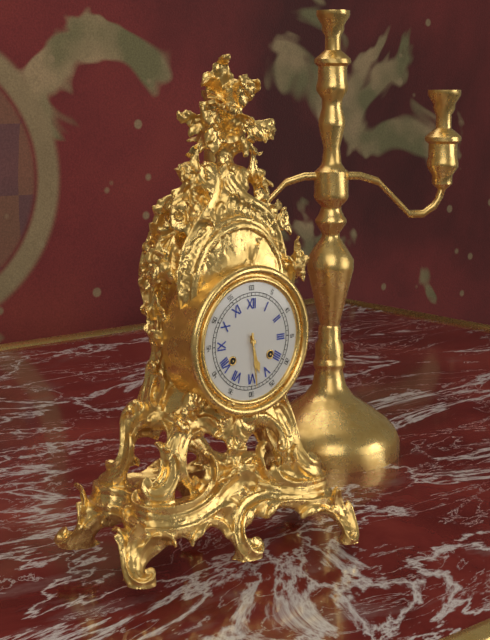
5:29
